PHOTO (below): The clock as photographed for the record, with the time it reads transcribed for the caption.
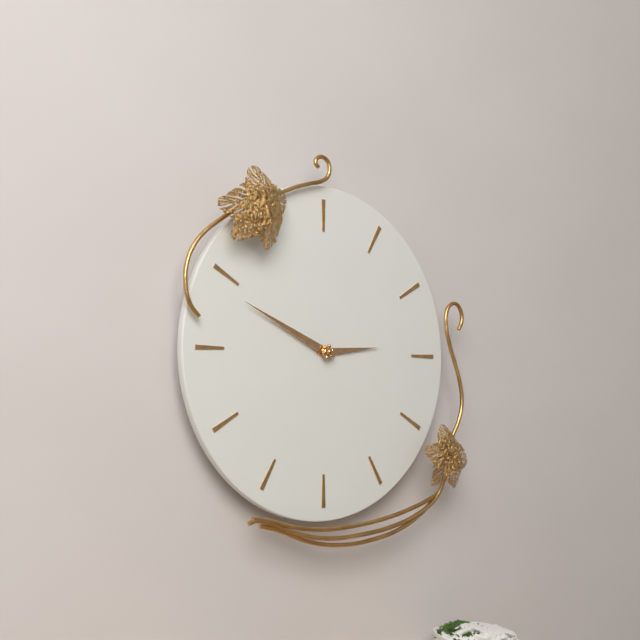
2:49
